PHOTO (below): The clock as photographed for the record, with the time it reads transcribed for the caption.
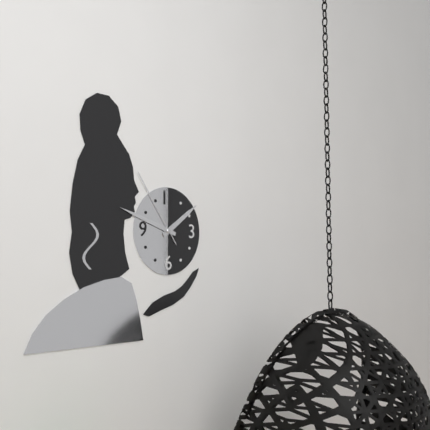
1:48:54
